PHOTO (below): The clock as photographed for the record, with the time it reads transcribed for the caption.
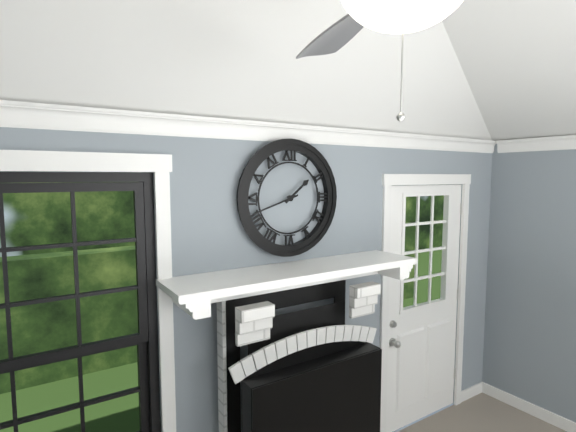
1:42
